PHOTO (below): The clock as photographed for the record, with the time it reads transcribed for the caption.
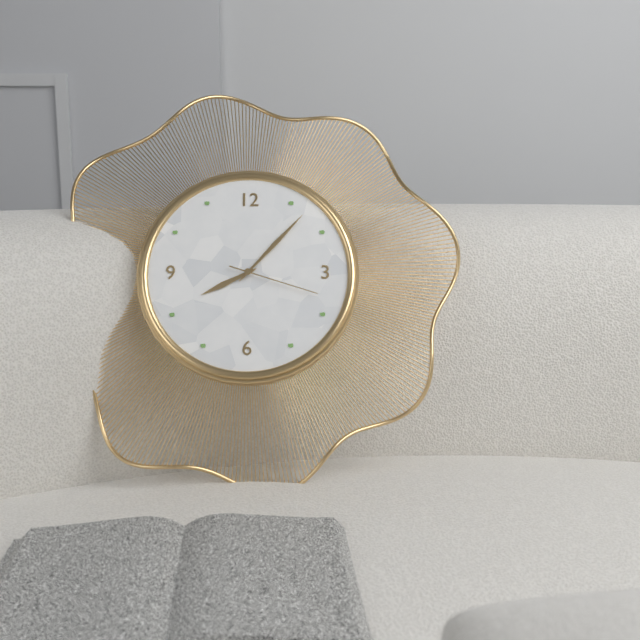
8:07:18
